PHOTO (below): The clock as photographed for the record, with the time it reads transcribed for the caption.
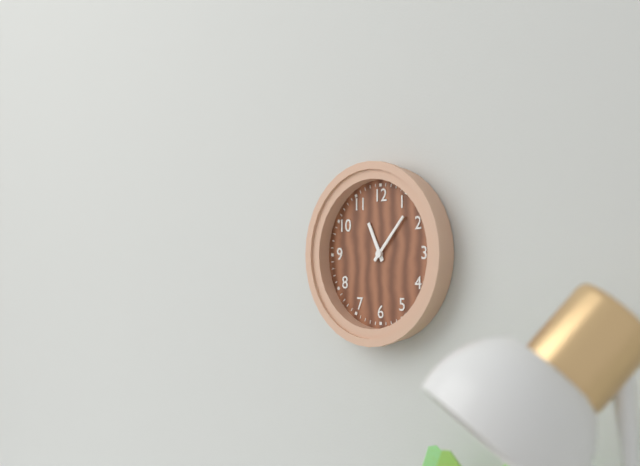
11:07
